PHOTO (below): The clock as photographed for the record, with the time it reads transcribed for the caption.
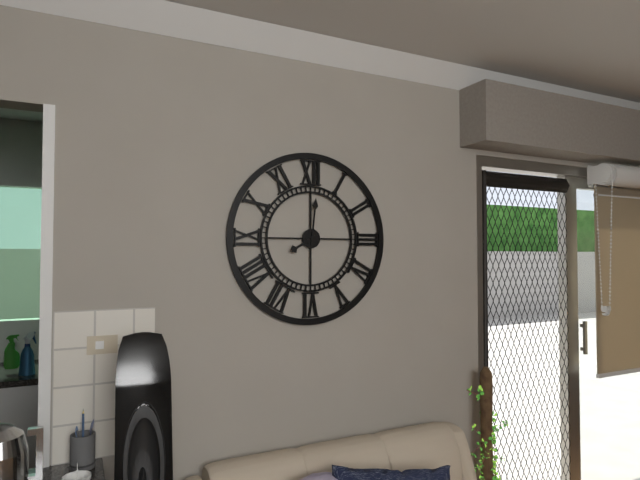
8:01
